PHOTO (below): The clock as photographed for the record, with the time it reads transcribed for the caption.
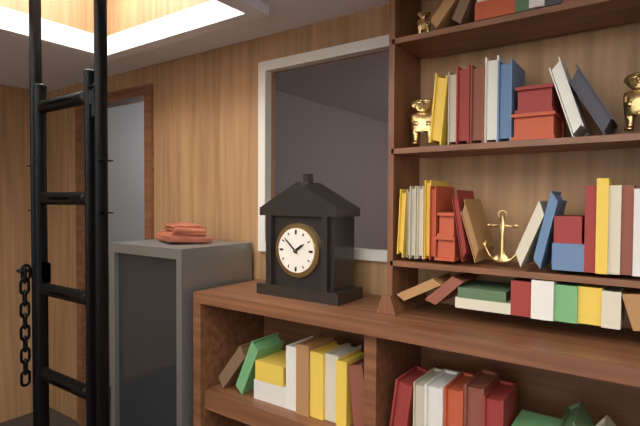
1:52
